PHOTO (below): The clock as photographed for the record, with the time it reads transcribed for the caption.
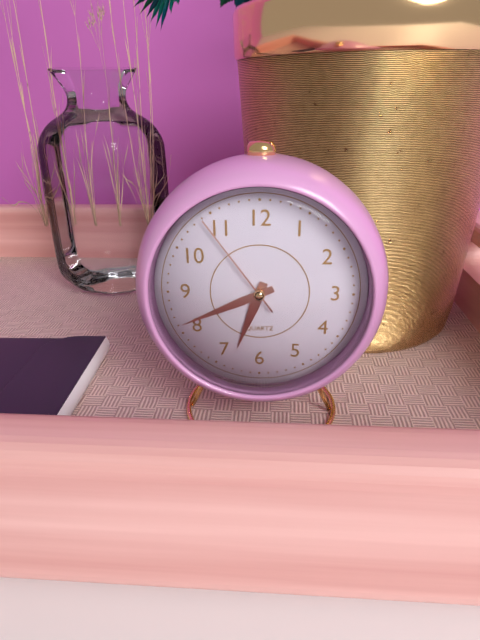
6:41:54
